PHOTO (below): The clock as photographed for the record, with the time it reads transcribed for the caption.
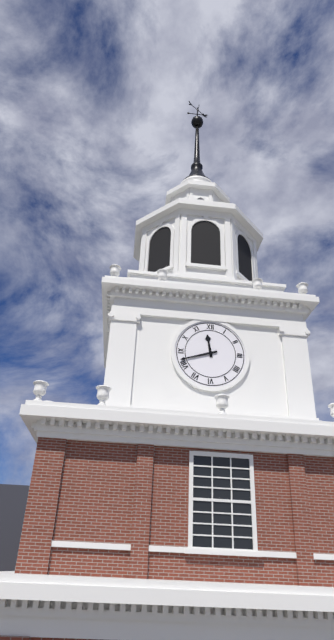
11:42
